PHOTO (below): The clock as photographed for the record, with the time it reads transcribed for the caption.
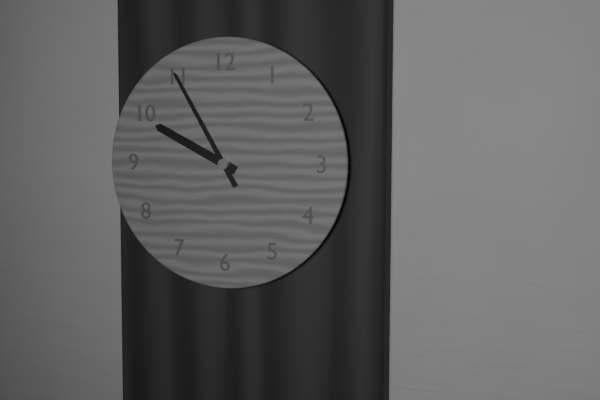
9:55
